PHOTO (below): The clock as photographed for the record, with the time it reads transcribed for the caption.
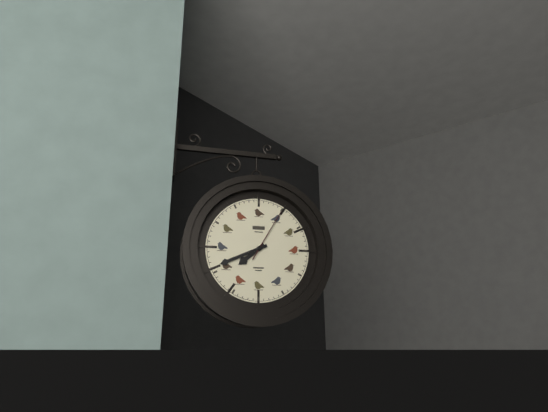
7:41:05
